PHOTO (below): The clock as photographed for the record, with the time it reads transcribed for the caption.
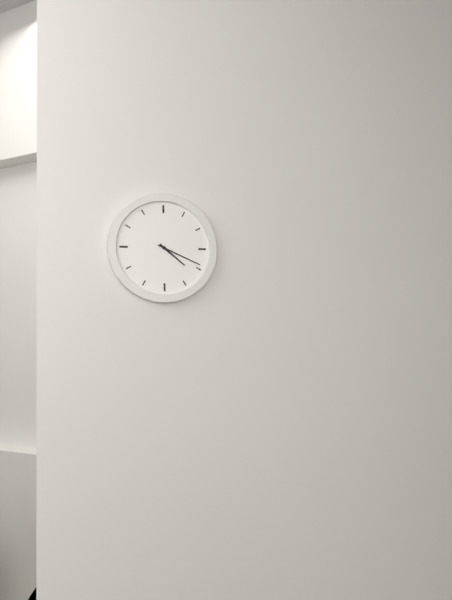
4:19
